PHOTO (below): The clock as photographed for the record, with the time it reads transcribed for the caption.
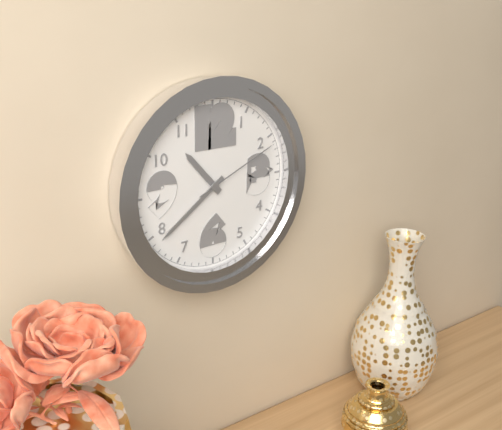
10:39:11
